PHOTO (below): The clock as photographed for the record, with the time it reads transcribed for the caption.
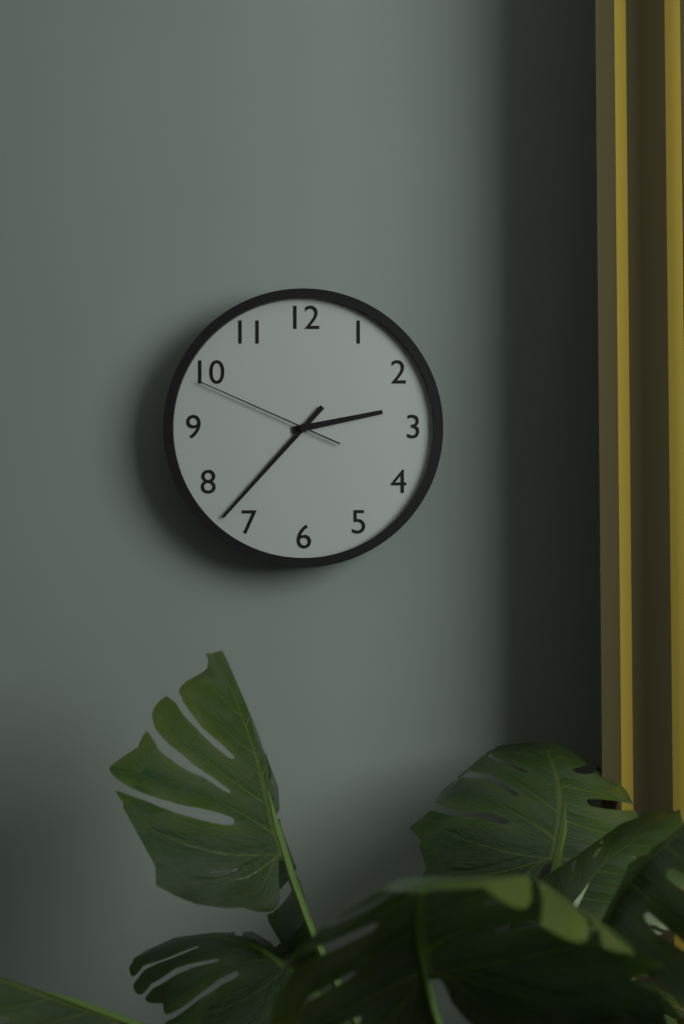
2:37:49
